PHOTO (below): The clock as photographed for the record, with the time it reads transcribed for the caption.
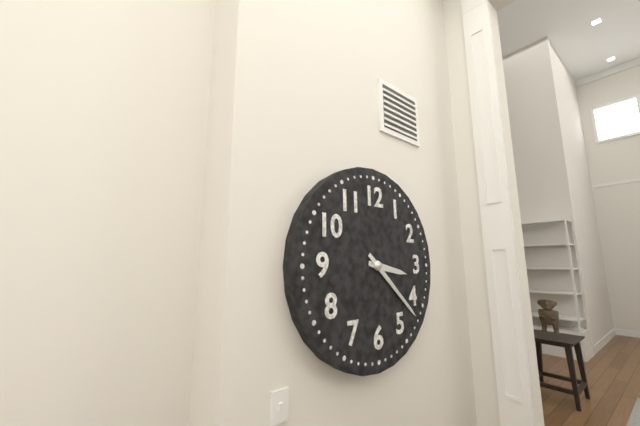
3:22
